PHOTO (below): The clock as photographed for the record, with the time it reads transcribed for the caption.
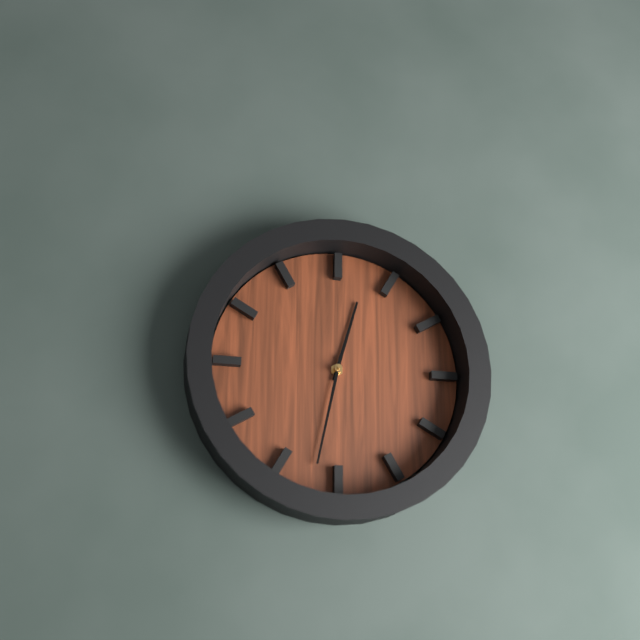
12:32
